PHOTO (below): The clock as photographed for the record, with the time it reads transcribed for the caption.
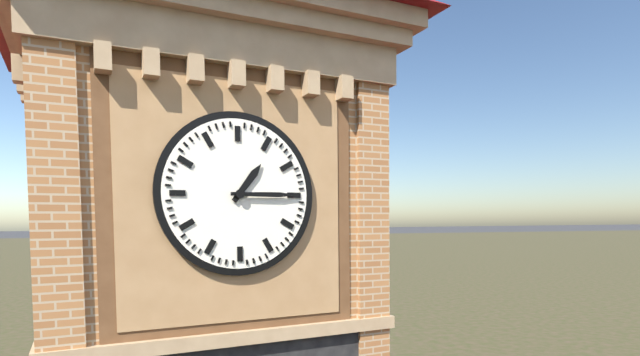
1:15
